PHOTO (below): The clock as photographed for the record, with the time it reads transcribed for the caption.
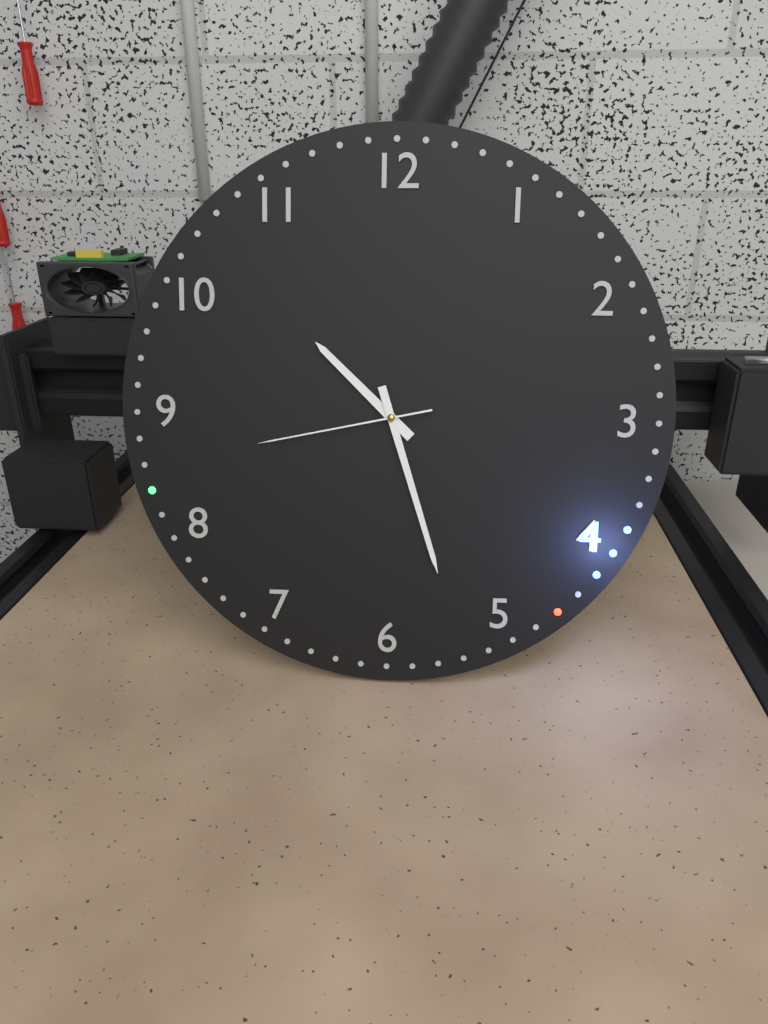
10:27:43
